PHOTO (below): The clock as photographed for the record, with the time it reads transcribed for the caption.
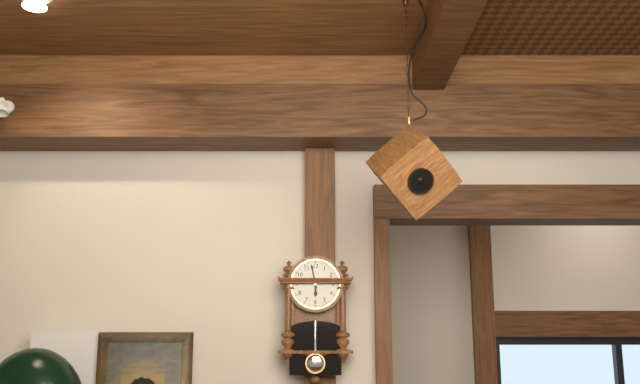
5:58
